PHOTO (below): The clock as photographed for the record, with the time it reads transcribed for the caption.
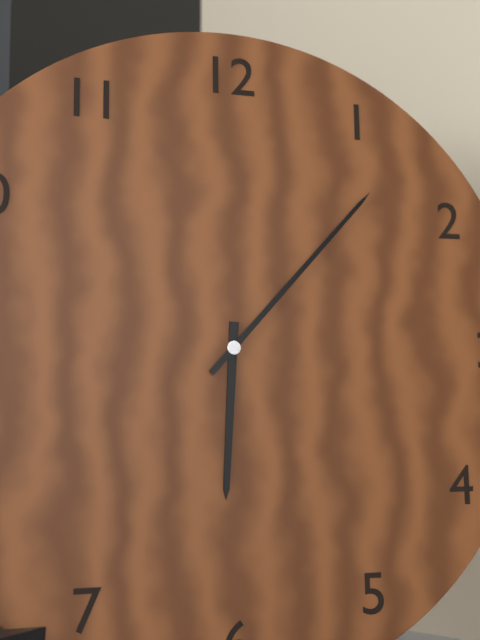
6:07
